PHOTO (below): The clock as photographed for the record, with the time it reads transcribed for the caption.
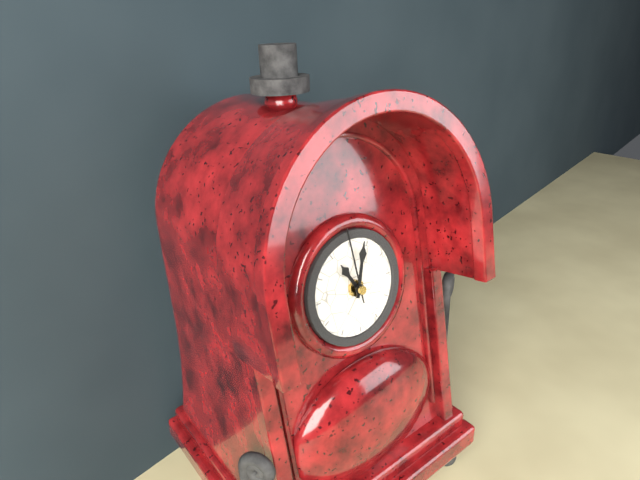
11:03:59
